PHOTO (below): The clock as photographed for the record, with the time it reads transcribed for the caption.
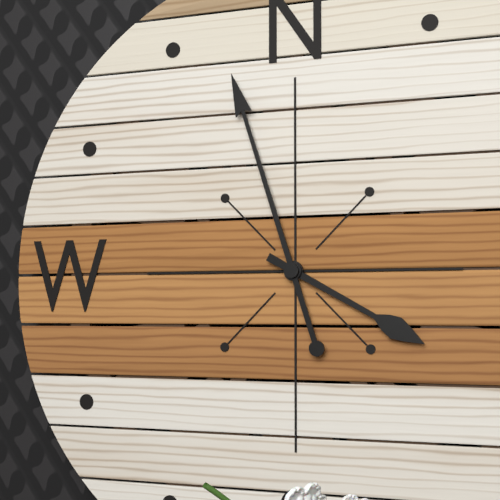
3:57
